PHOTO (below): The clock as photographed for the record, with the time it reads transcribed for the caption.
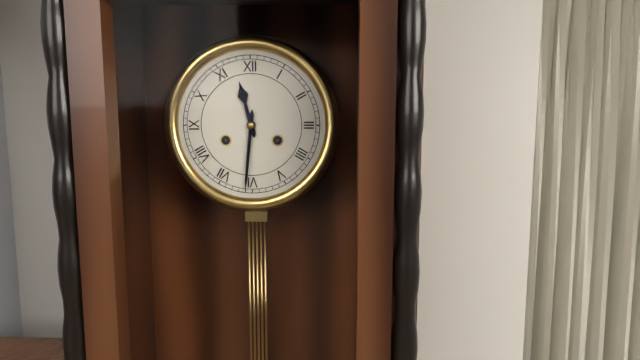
11:31
